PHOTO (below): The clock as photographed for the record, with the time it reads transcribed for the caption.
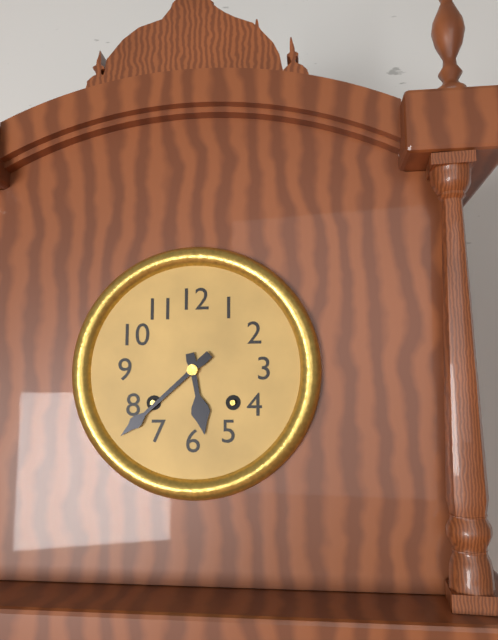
5:38
